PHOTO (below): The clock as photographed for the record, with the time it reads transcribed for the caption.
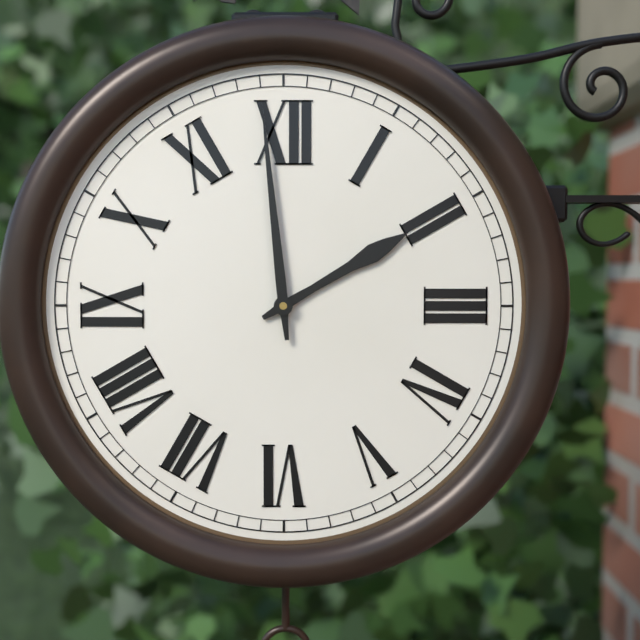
1:59
